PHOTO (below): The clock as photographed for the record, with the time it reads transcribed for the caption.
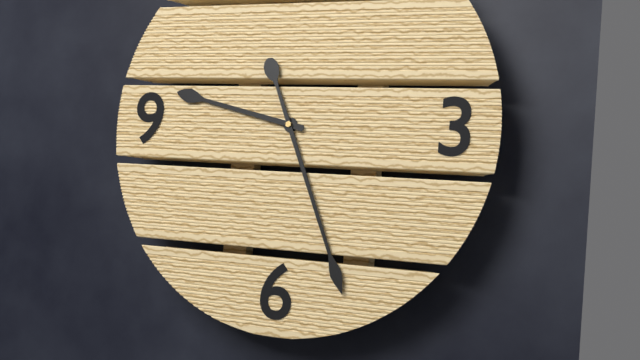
9:26
